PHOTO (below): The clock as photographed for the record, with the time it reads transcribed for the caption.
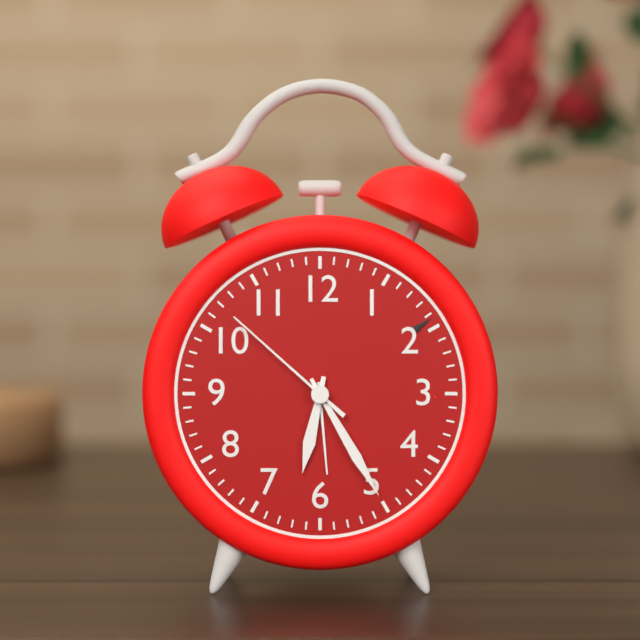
6:25:52
